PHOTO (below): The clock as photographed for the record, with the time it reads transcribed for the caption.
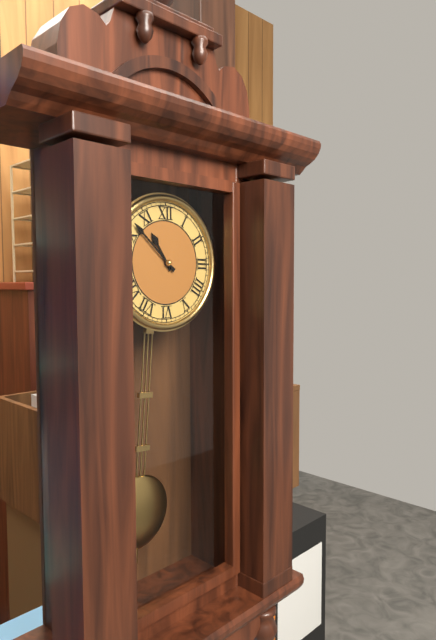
10:52
